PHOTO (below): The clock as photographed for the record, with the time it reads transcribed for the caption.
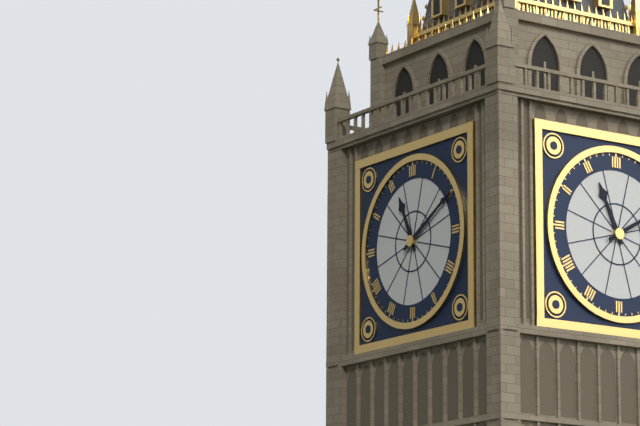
11:10
